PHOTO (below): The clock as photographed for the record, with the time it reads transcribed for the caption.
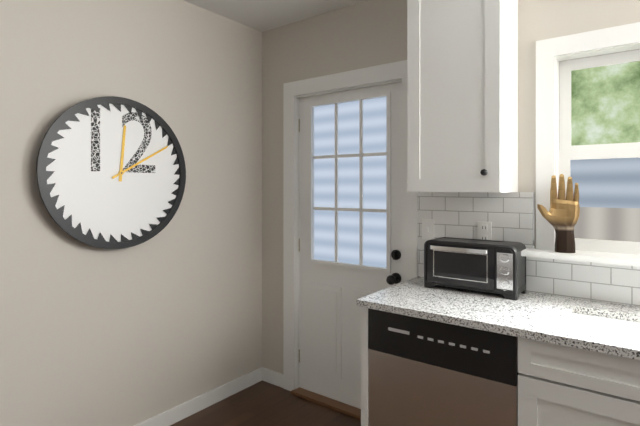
12:10
